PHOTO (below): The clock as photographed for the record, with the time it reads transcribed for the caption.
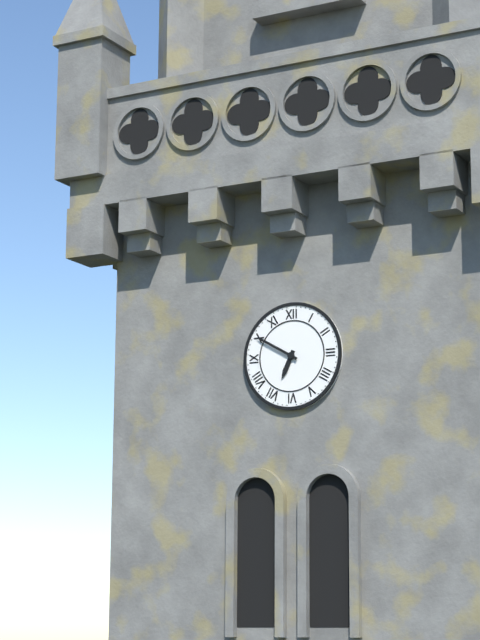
6:50
